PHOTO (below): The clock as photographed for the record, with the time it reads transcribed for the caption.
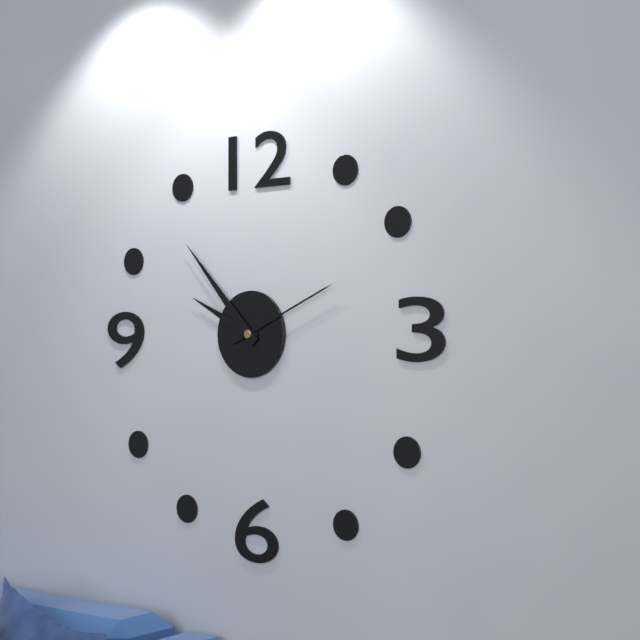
9:53:11
